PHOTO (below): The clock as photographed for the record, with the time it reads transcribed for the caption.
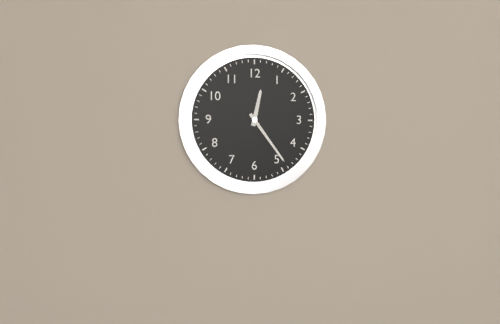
12:24
